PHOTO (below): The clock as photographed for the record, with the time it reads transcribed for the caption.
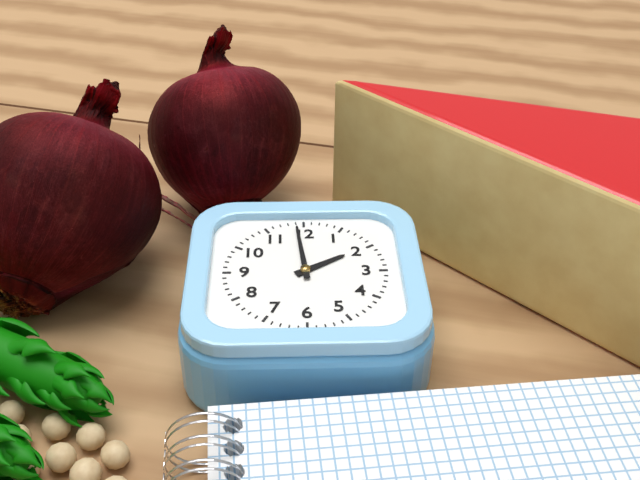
1:59
